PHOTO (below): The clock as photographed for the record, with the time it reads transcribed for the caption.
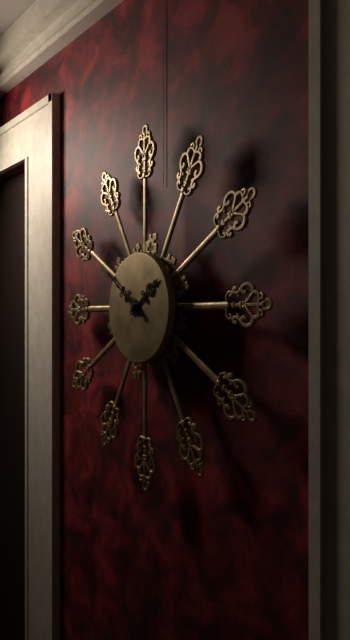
1:51
